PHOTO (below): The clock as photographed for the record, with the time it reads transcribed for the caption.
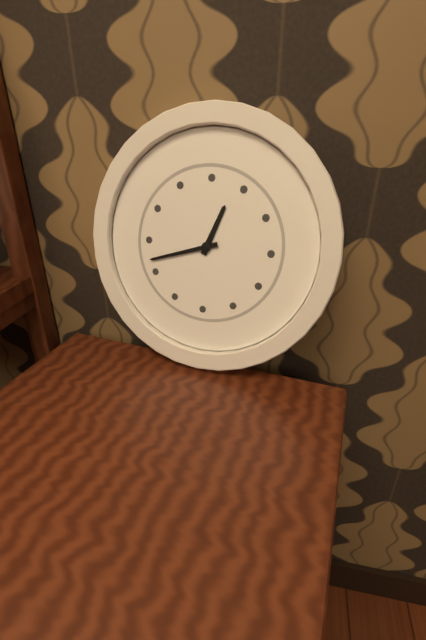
12:42
